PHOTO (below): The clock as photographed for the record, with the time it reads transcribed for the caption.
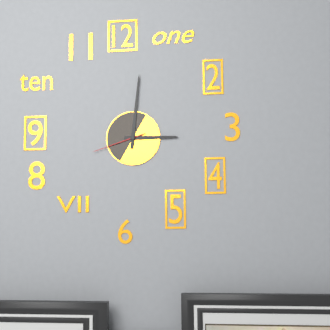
3:01:42
